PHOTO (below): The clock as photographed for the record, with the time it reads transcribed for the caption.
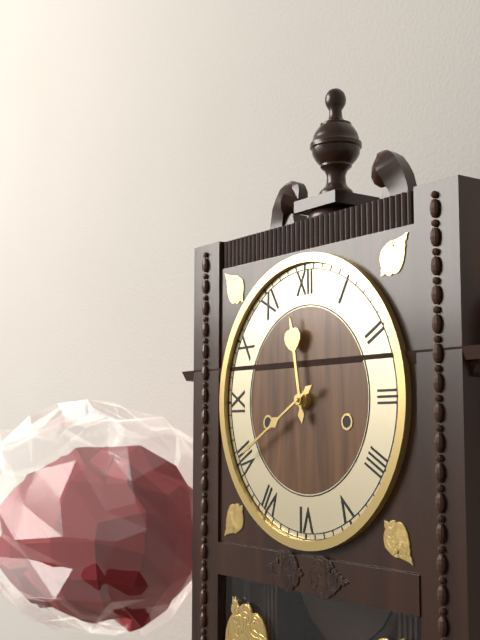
11:40
